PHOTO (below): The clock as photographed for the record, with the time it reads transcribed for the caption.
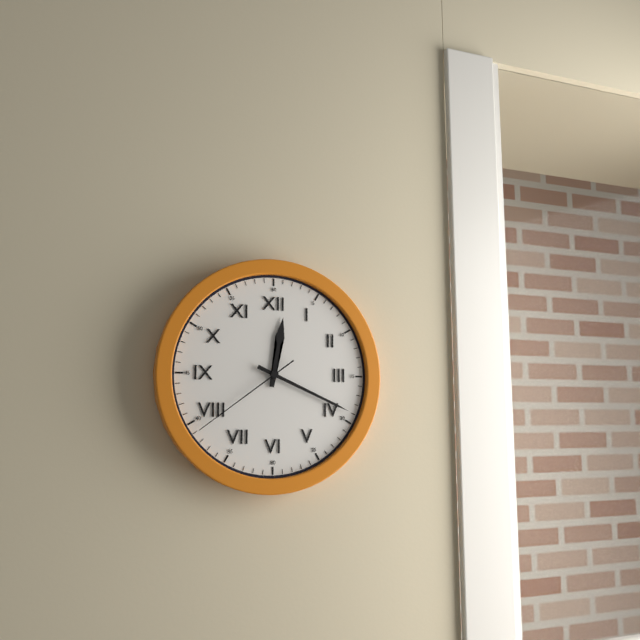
12:19:39
